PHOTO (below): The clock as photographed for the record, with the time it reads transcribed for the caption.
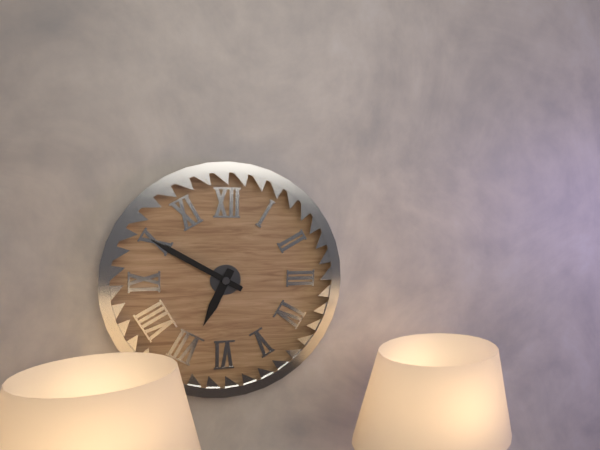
6:50
